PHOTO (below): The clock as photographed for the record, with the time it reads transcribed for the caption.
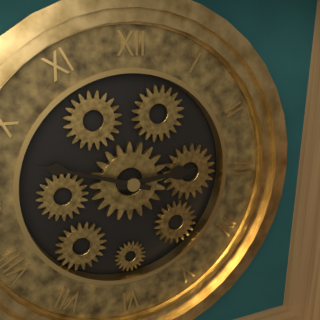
2:48
